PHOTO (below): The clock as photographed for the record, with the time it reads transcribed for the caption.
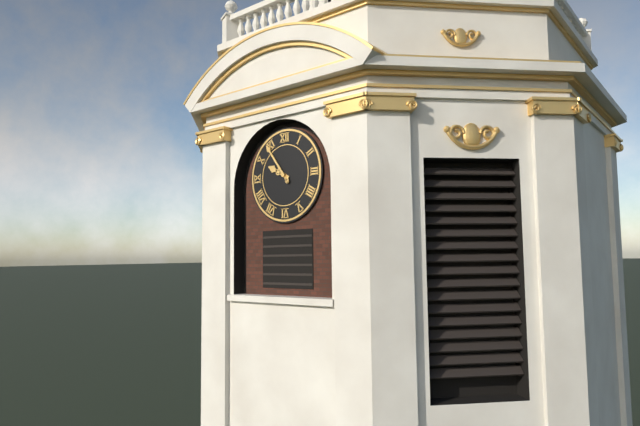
9:54
